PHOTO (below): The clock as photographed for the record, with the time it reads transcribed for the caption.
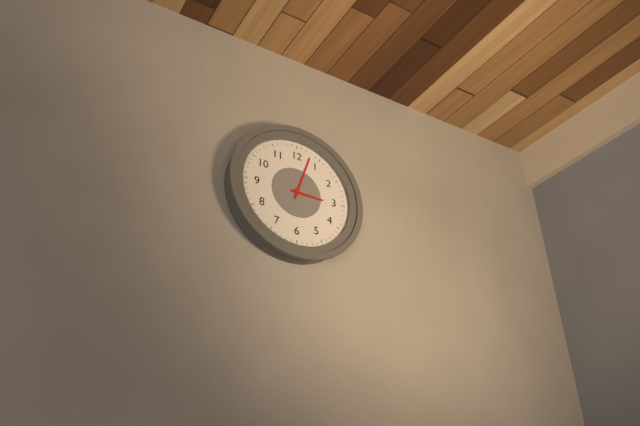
3:03
